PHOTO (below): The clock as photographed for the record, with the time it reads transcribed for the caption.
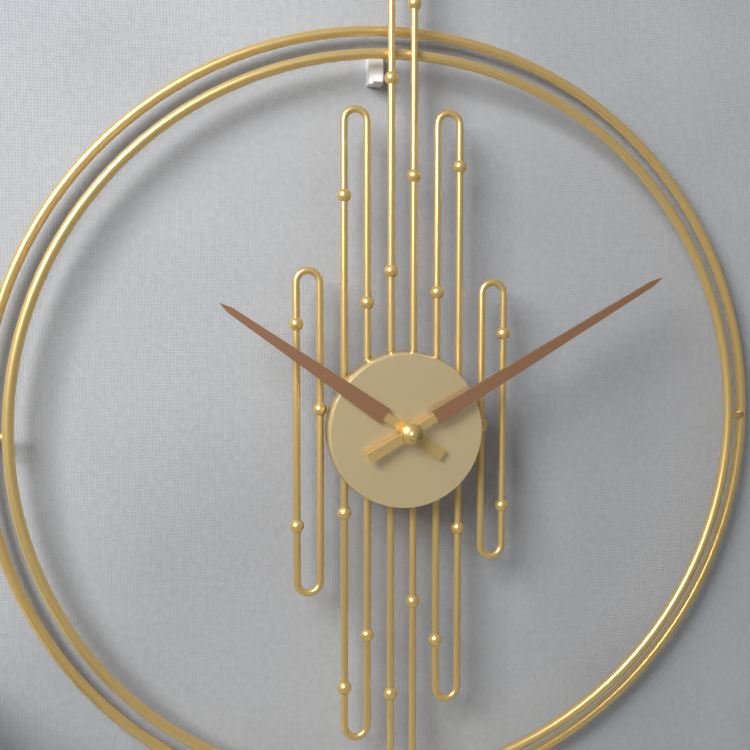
10:10
